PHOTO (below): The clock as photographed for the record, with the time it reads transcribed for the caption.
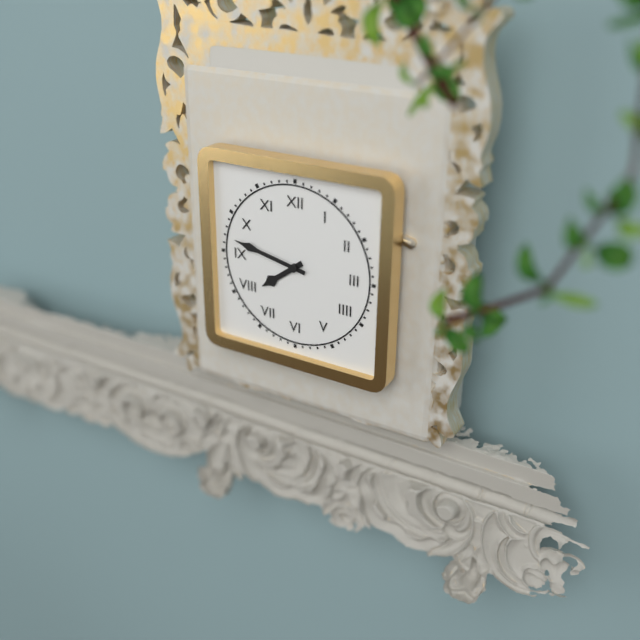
7:47
